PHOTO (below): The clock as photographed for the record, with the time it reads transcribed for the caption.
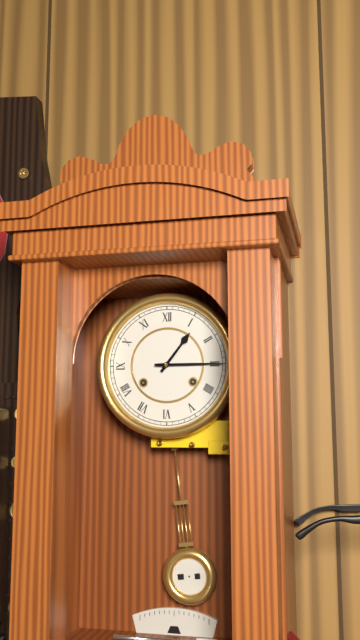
1:15
